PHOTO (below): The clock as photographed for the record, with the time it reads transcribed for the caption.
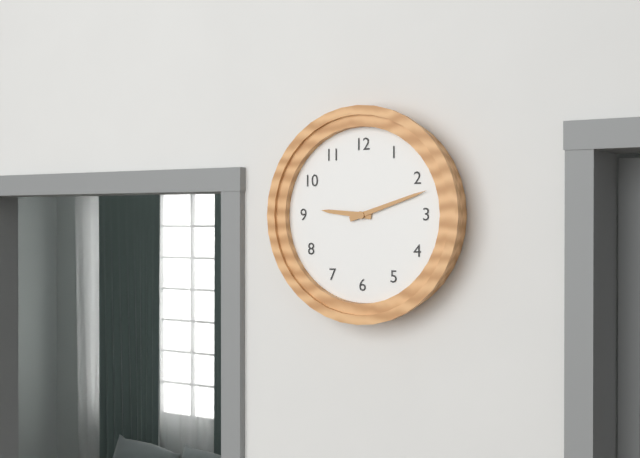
9:12
